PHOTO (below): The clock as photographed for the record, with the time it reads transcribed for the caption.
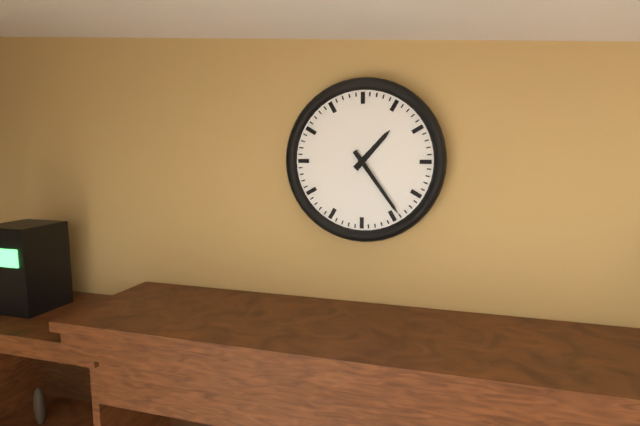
1:24
